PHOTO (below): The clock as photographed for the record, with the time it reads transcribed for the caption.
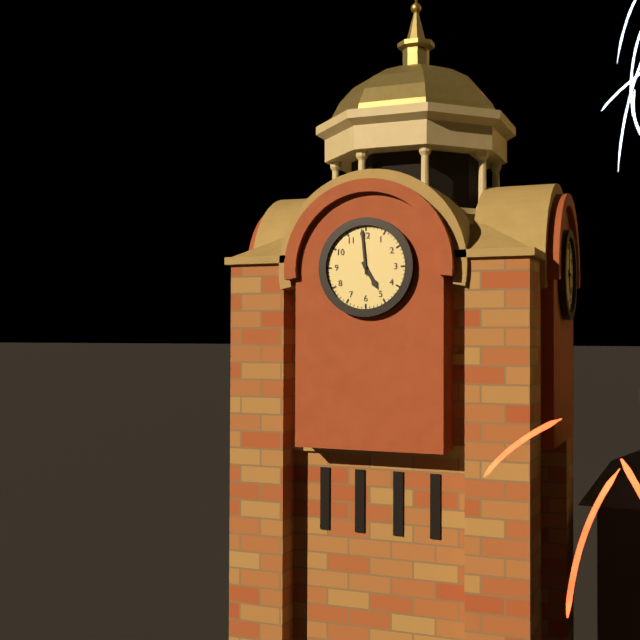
4:59
